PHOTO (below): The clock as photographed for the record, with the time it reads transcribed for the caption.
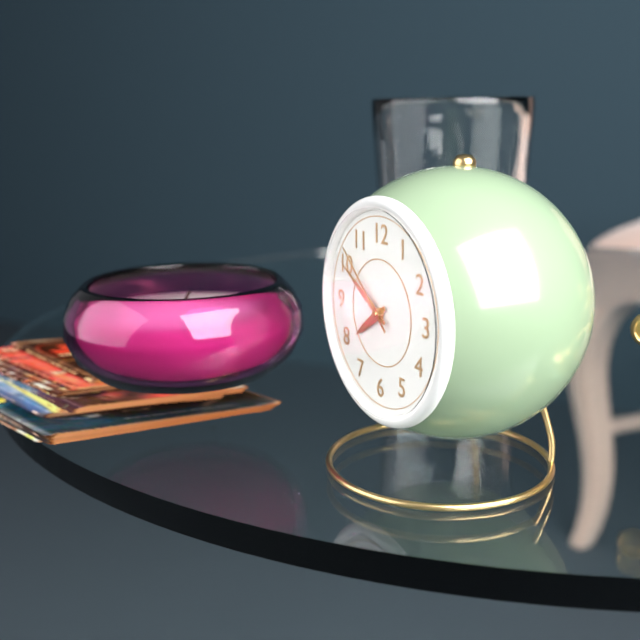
7:50:52
